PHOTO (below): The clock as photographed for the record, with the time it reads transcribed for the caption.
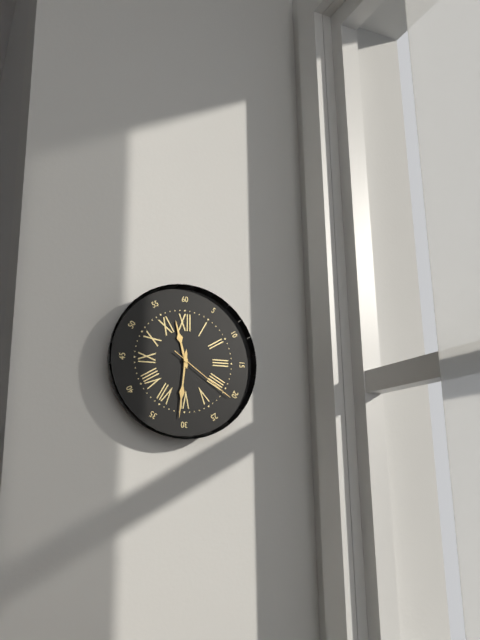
11:31:21
